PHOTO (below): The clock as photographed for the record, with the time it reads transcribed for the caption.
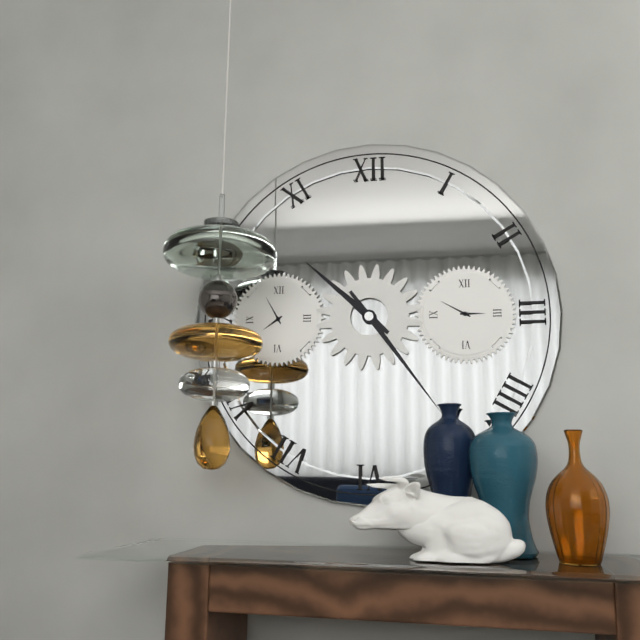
10:24
